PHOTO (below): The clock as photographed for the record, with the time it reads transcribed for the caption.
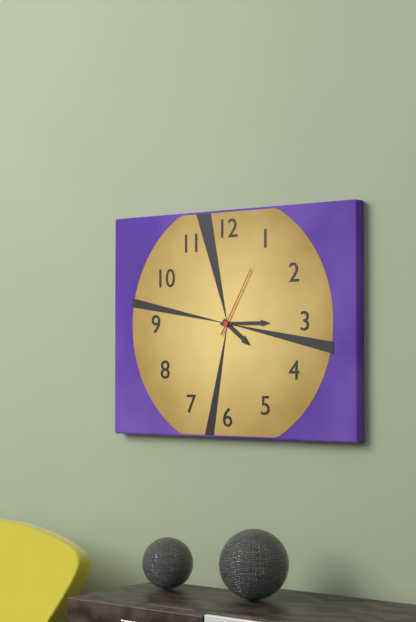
4:15:05
